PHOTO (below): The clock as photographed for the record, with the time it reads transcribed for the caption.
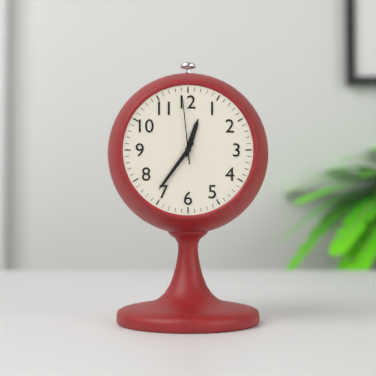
12:36:59
